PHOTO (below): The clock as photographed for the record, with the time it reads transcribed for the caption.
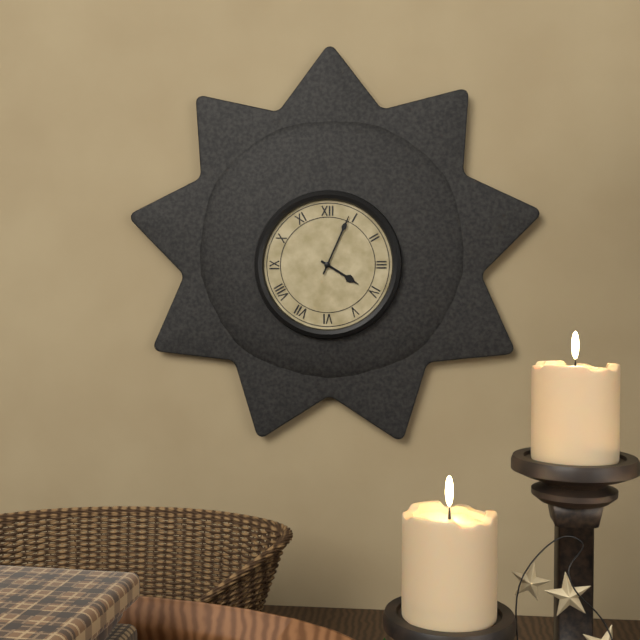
4:04
